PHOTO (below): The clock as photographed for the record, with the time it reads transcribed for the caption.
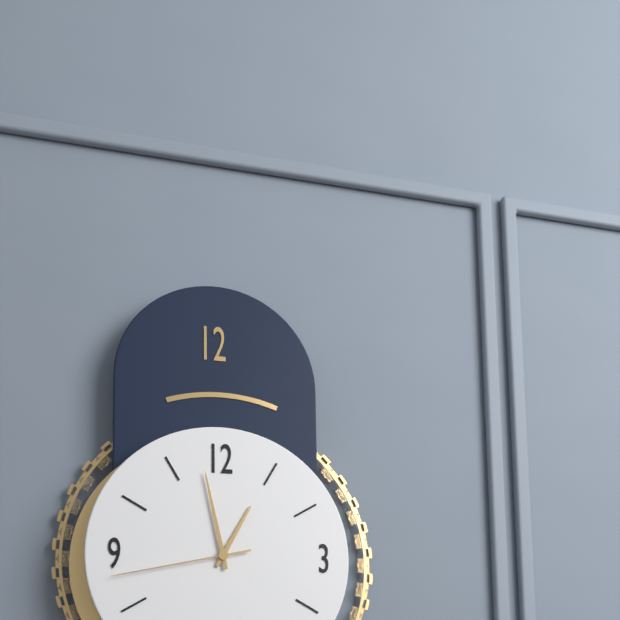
12:58:43
